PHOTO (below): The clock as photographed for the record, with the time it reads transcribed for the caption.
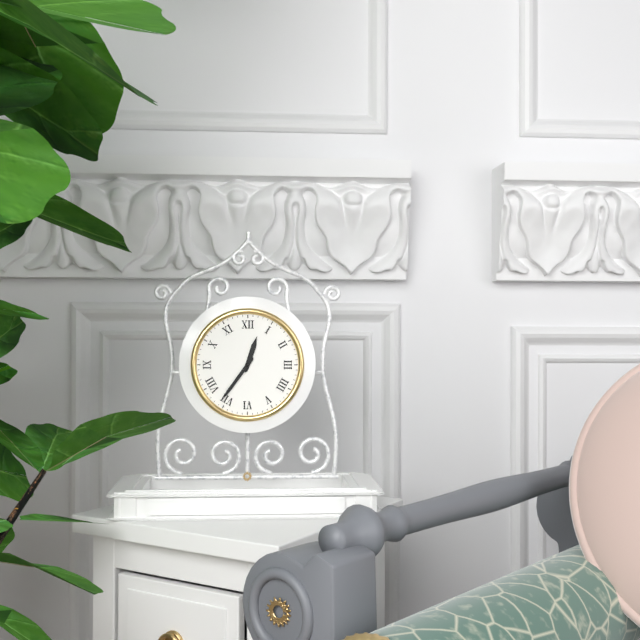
12:36
